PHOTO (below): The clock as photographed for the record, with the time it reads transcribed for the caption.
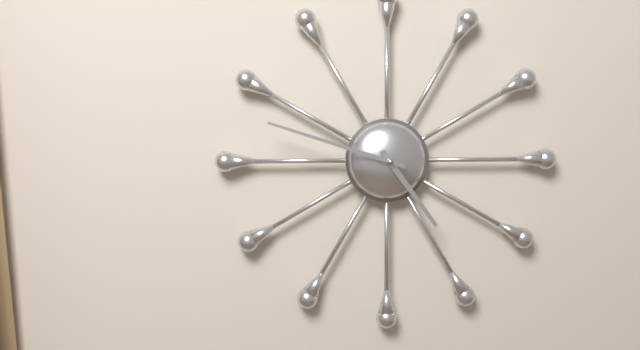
4:48
